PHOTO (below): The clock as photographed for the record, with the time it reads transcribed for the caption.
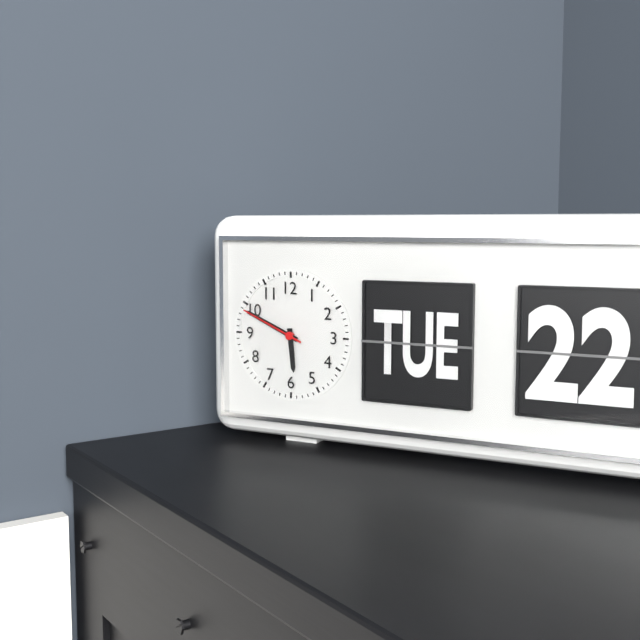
5:49:49
